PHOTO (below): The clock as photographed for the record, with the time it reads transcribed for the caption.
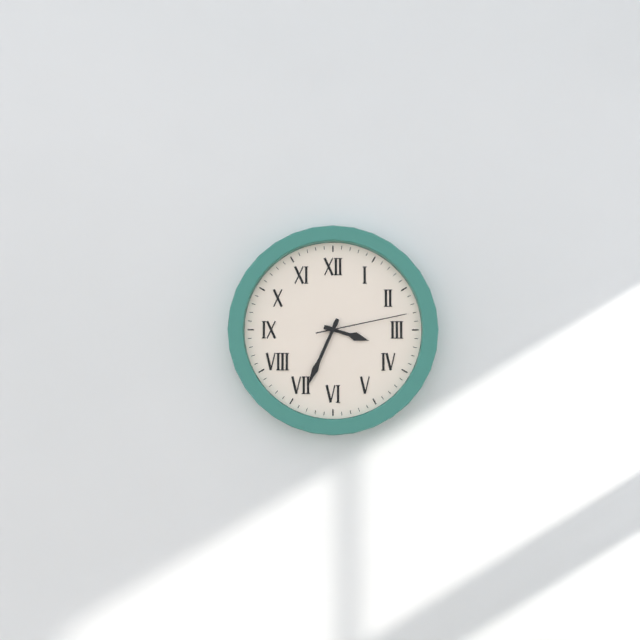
3:34:13
